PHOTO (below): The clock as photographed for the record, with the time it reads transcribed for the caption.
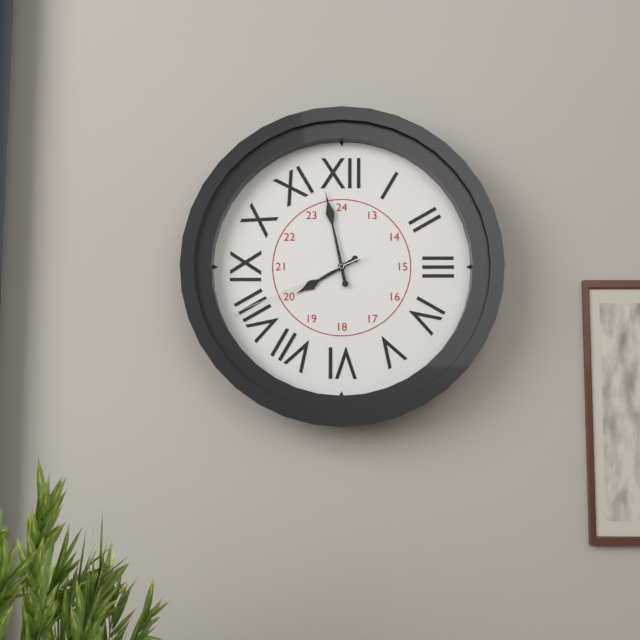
7:58:41
